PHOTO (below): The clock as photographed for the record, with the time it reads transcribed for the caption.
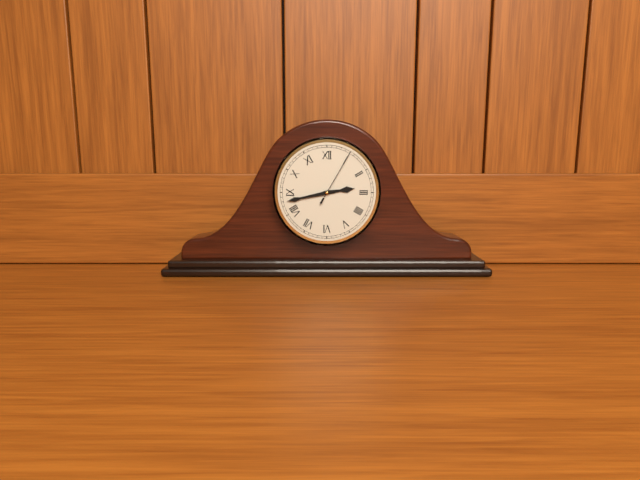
2:43:05
